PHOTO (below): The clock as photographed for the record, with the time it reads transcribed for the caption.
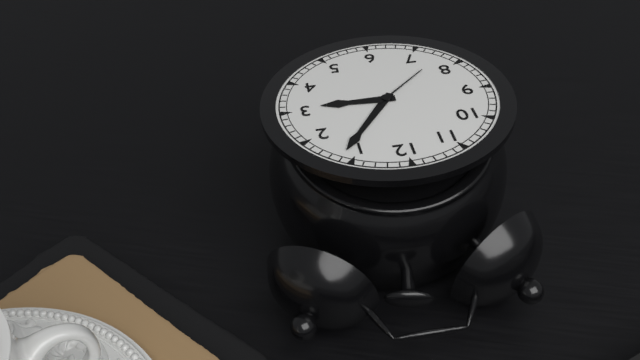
3:06:38
